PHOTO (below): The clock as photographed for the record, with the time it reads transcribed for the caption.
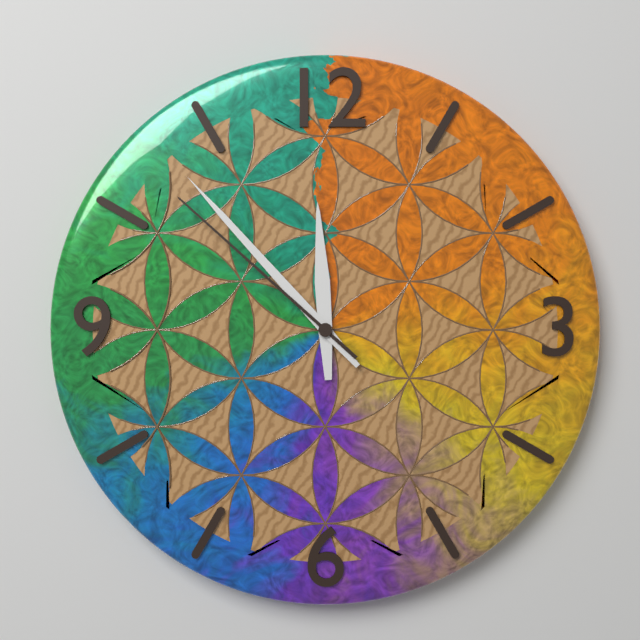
11:53:52
